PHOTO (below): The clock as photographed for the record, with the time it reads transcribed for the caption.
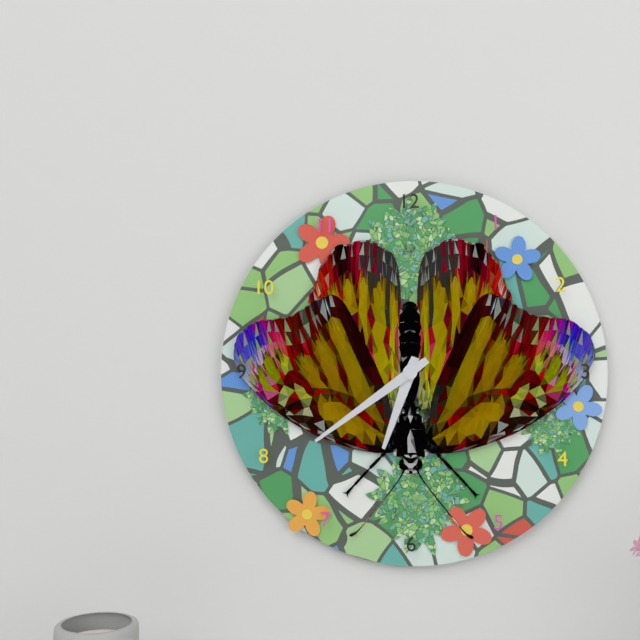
6:39
